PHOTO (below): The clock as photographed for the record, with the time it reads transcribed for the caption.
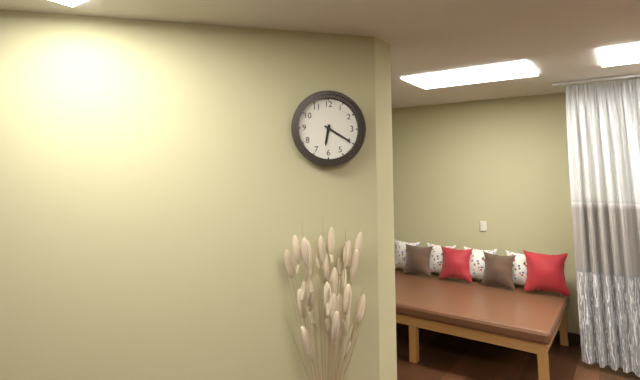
6:20
